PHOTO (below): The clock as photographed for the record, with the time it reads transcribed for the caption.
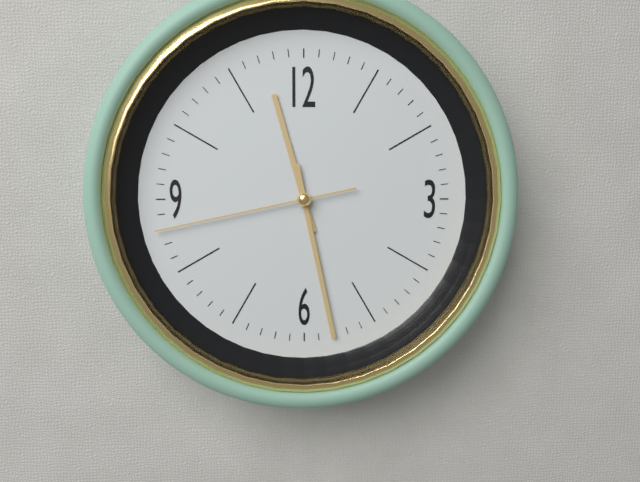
11:28:43
